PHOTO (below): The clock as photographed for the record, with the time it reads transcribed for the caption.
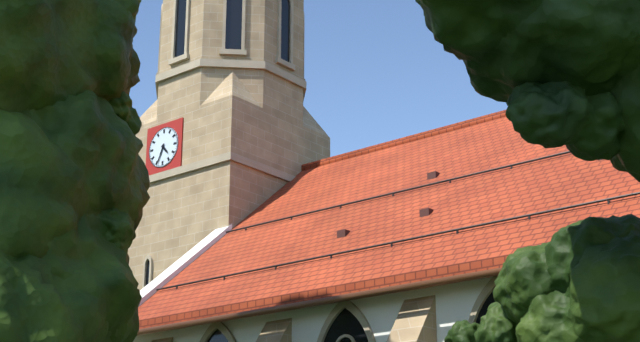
4:34
